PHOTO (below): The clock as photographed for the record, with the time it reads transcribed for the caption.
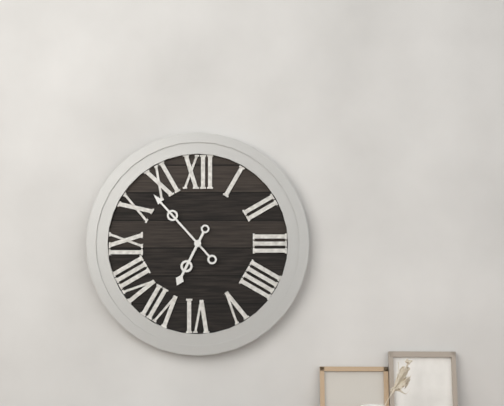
6:53
